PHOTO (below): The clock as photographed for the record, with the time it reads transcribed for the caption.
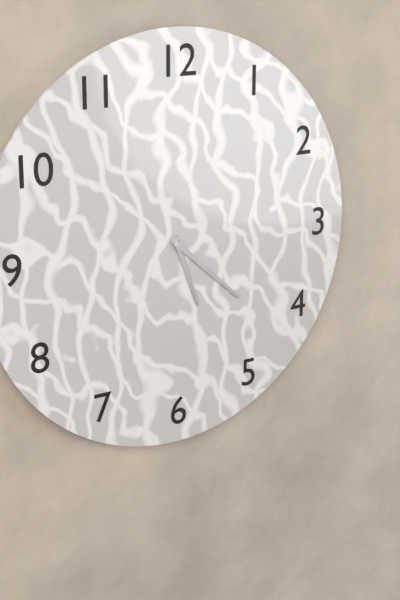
5:22
